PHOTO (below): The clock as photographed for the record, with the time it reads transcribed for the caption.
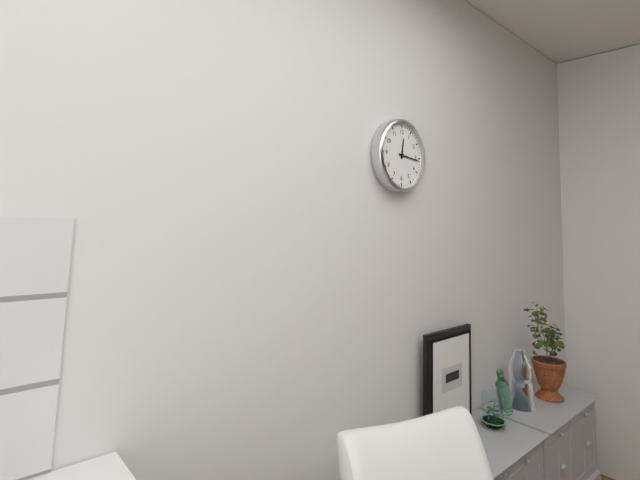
12:16
